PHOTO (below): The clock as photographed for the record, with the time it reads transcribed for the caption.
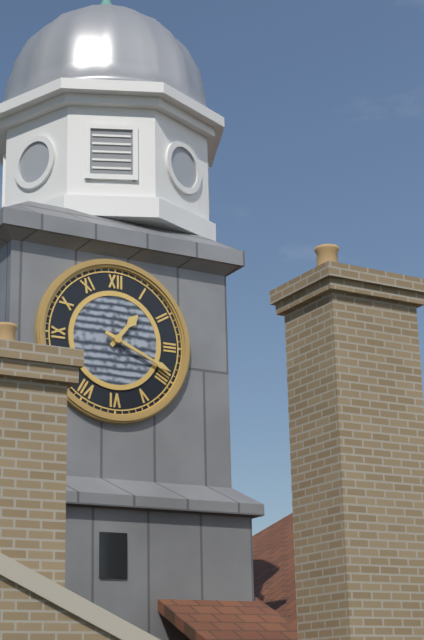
1:19
